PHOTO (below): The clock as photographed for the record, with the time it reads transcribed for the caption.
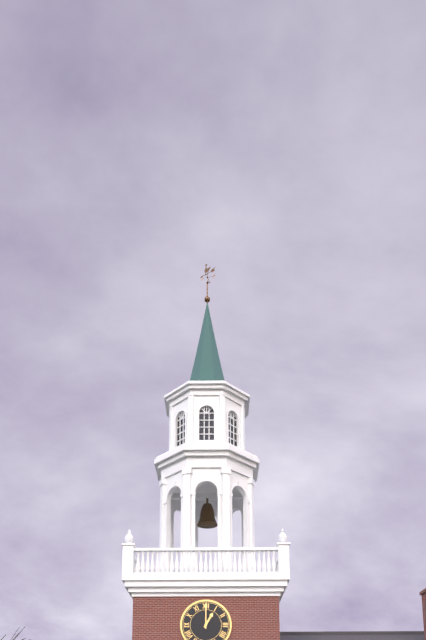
1:00
